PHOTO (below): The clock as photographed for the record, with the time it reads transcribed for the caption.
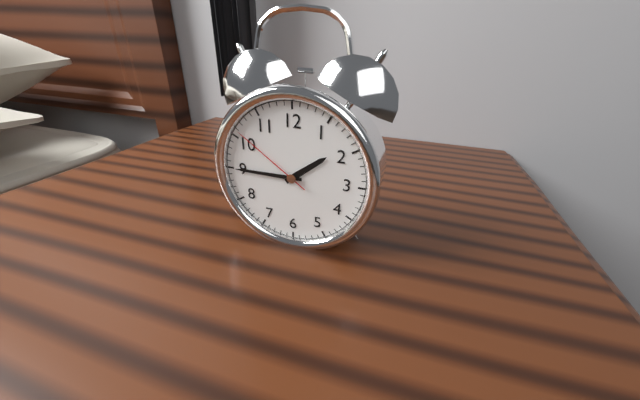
1:45:51
